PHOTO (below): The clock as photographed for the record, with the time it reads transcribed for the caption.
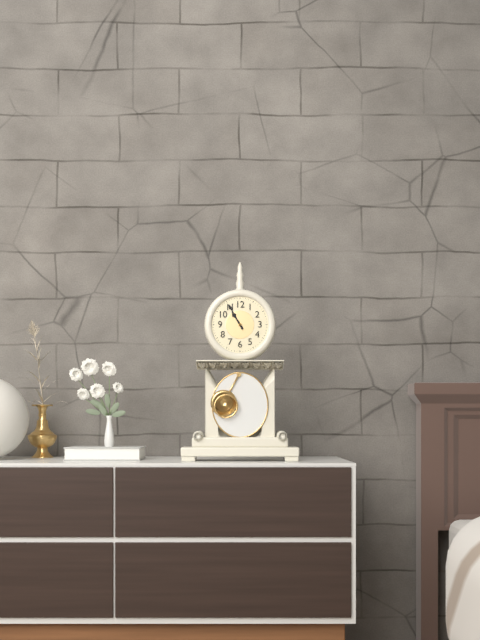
10:55
